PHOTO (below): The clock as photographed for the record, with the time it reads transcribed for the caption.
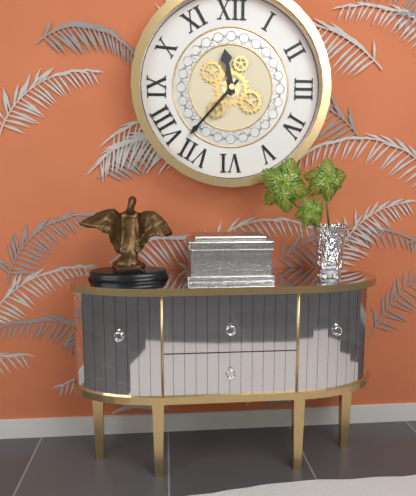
11:37
